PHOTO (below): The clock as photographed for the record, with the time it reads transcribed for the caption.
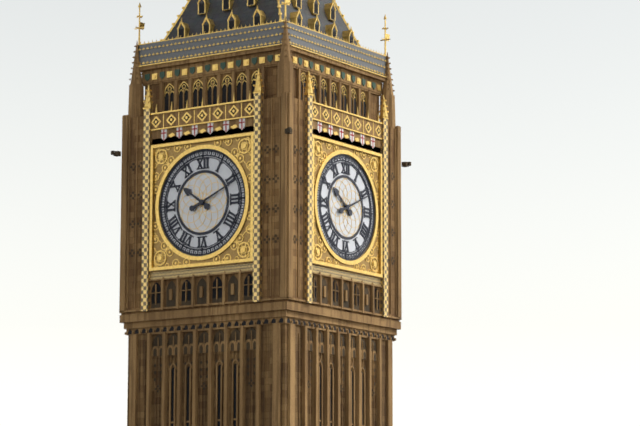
10:11
